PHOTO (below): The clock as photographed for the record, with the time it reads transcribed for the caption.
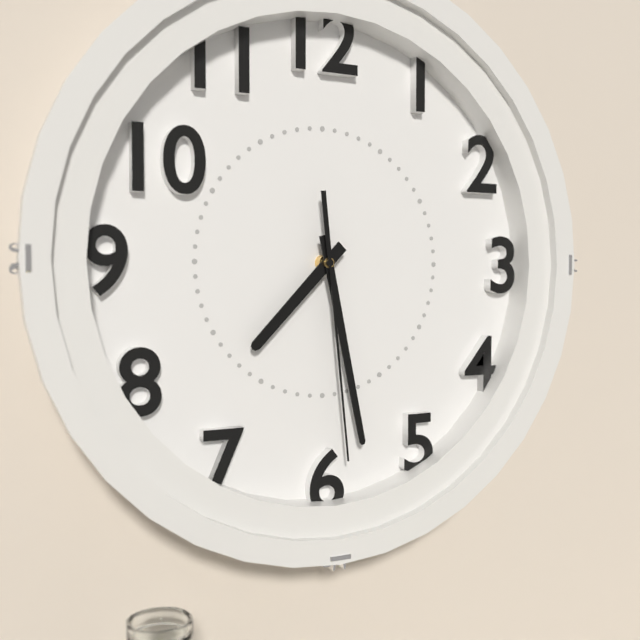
7:28:29
